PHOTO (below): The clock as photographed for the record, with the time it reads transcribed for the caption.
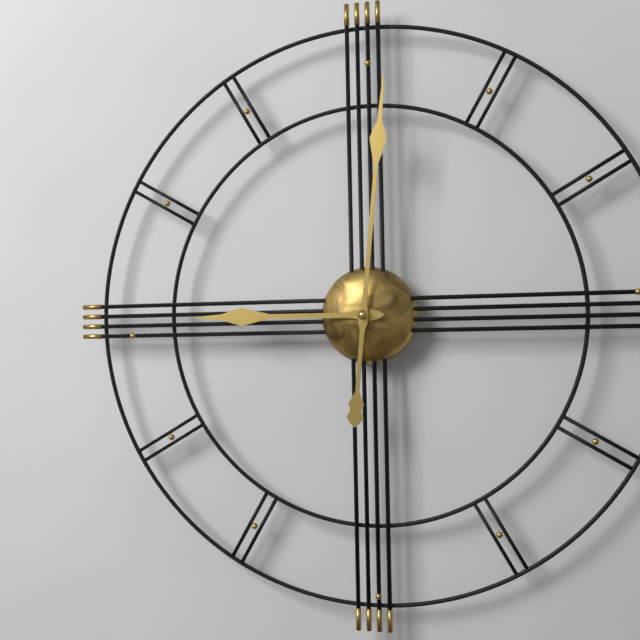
9:01
